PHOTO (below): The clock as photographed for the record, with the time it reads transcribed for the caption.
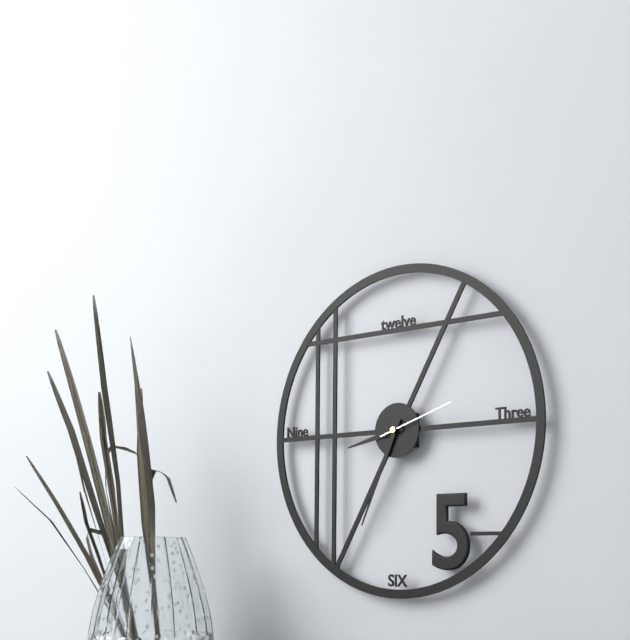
8:34:12
